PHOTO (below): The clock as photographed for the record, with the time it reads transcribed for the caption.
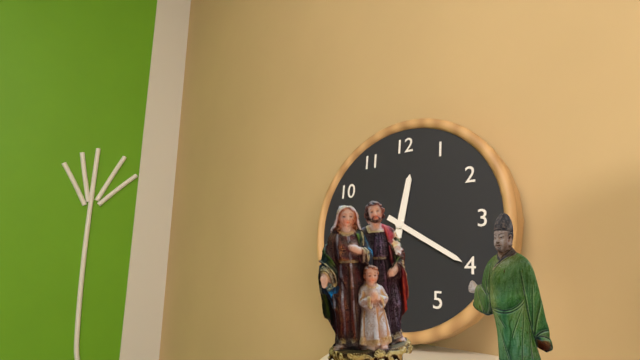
12:20
